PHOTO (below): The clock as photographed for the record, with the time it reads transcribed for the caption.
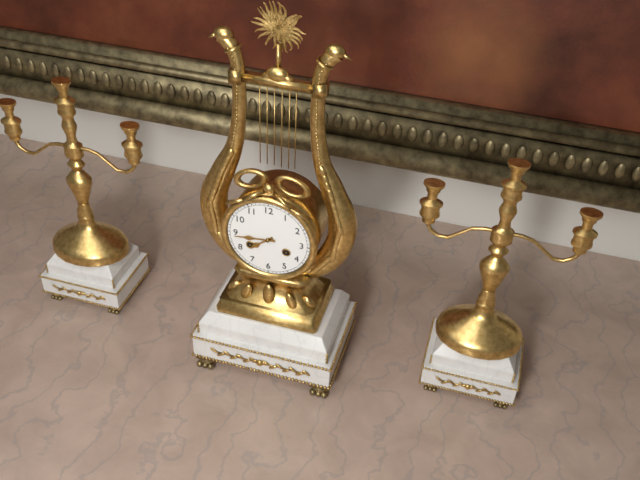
7:44
